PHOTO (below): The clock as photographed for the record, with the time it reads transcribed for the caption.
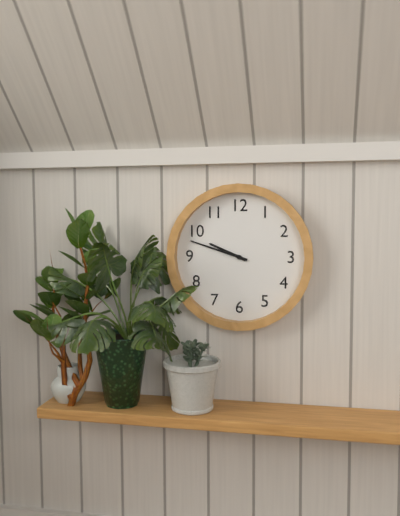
9:48
